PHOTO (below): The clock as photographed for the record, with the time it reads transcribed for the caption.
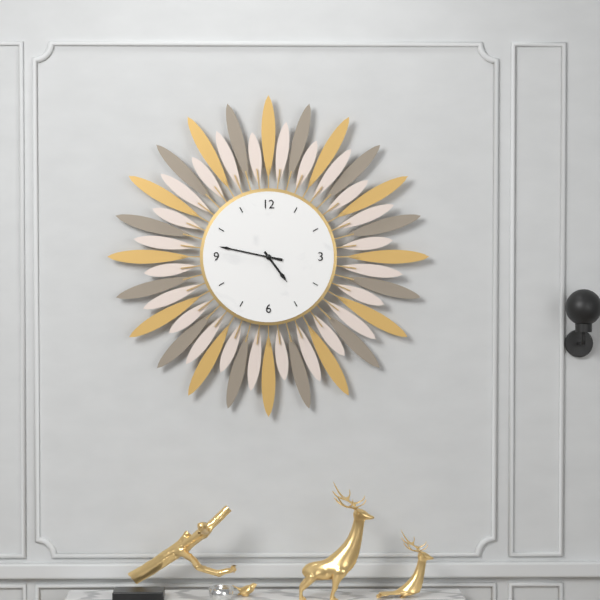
4:47
